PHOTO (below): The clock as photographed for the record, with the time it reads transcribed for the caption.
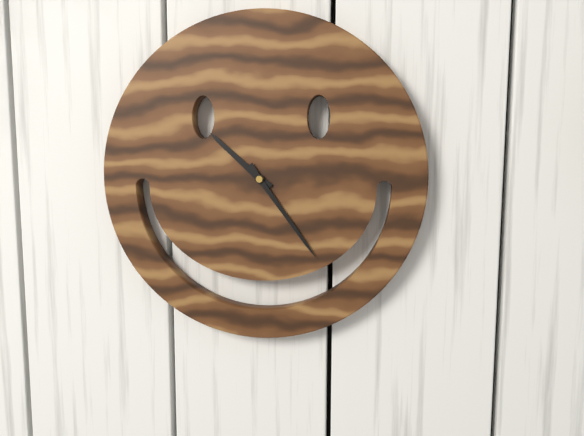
10:24
